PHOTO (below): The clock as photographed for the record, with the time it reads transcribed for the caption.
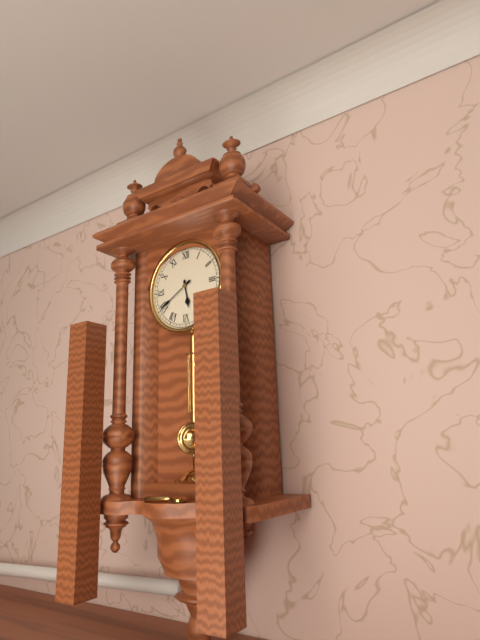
5:40
